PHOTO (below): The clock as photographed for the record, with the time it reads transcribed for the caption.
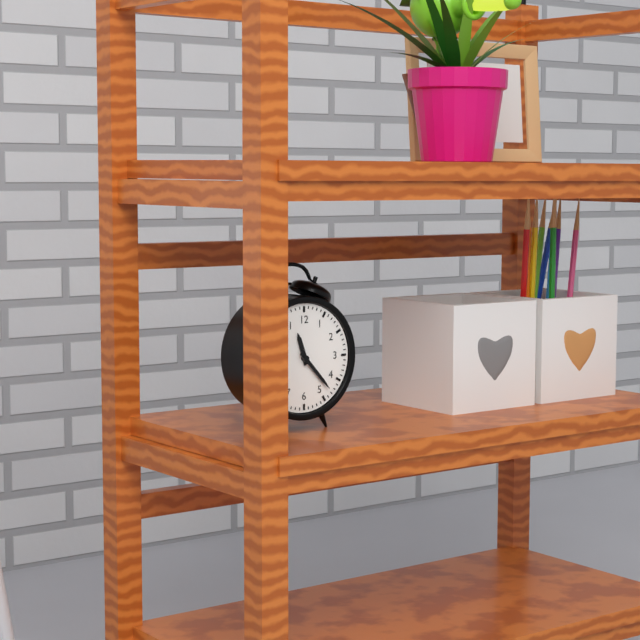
11:23
